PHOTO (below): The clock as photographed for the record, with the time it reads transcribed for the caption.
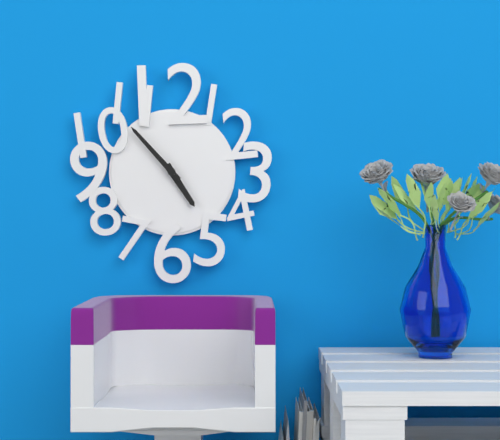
4:53
